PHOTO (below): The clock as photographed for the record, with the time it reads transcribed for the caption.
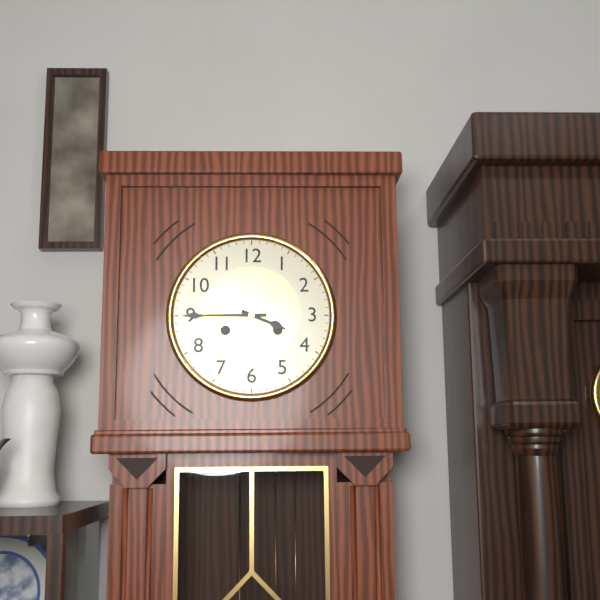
3:45
